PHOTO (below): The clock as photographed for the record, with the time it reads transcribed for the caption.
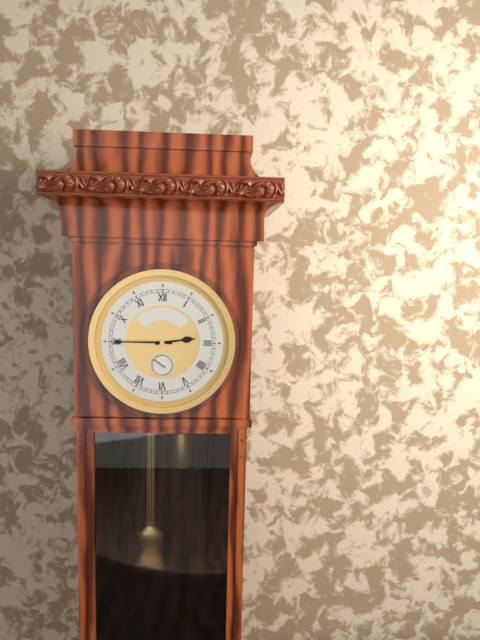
2:45
